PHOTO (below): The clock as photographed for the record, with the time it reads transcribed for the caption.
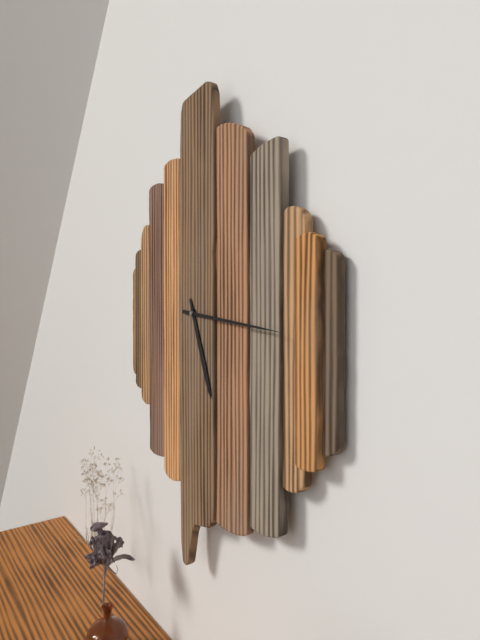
5:16
